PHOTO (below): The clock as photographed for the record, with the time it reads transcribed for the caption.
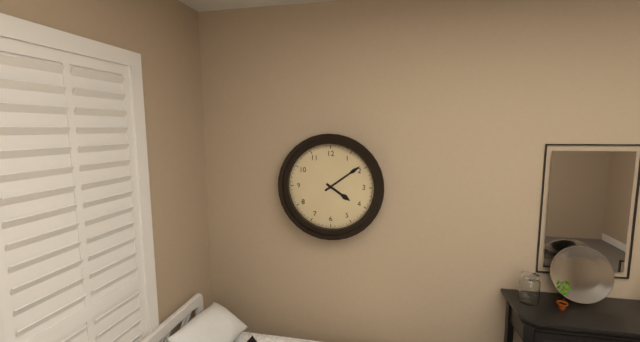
4:09
